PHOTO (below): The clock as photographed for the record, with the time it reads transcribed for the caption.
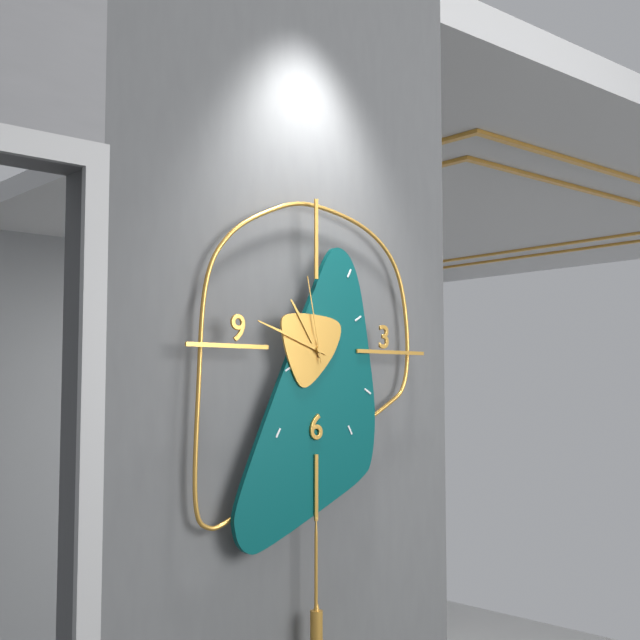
10:48:58
